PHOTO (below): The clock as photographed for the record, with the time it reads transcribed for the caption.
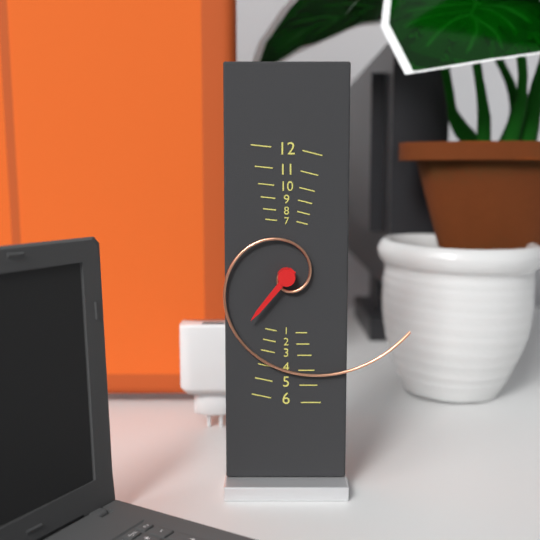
7:19
